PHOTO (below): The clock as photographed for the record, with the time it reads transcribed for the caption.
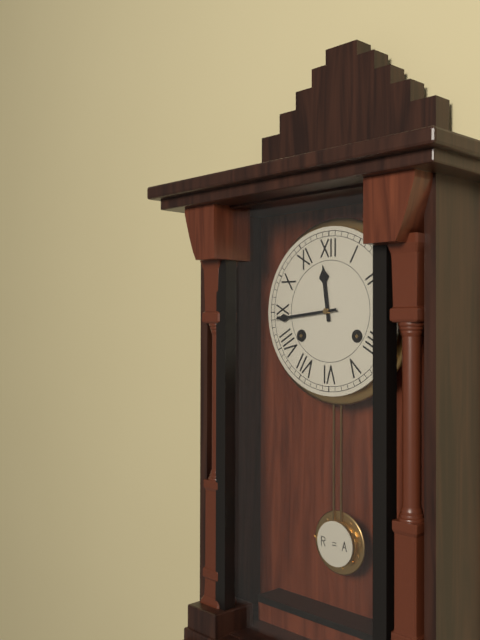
11:44
